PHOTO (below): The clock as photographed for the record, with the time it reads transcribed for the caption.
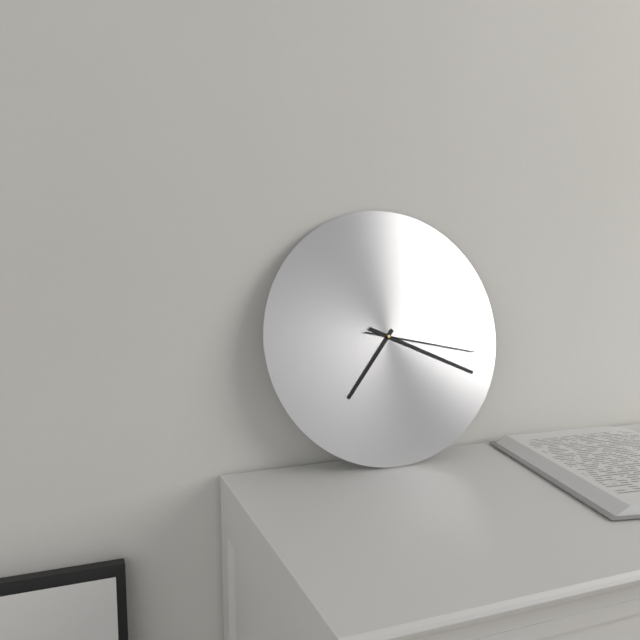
7:19:17
